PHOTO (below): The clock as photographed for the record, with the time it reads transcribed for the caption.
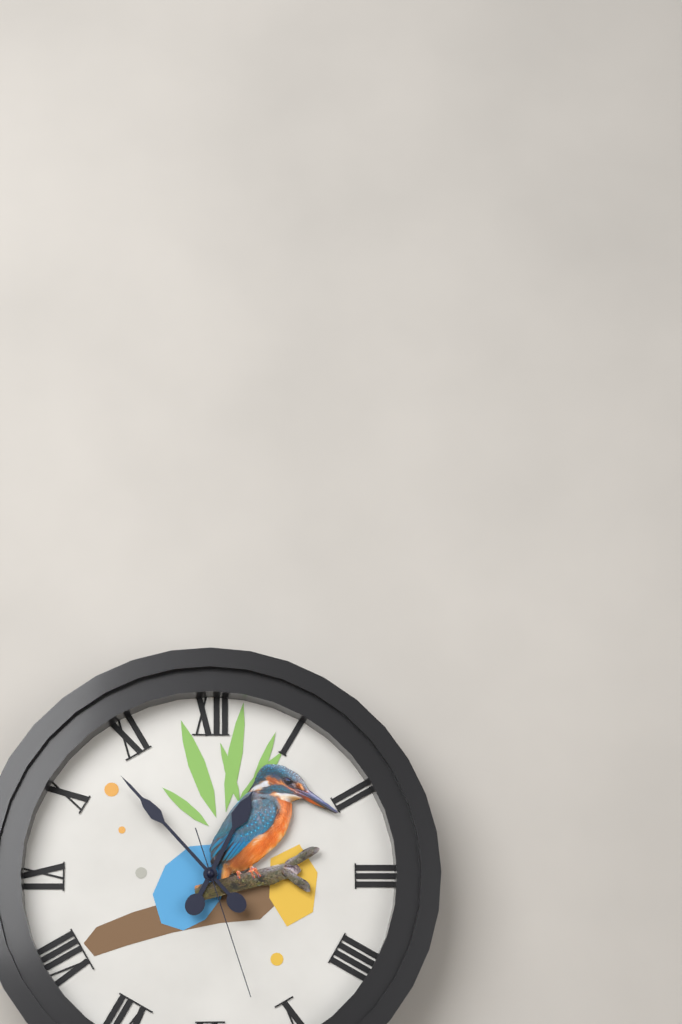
12:53:27
